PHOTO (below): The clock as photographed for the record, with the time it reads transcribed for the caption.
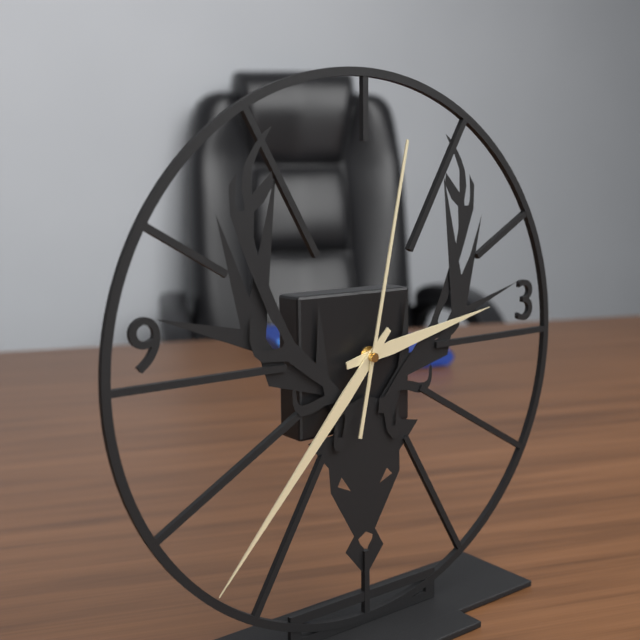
2:37:02
